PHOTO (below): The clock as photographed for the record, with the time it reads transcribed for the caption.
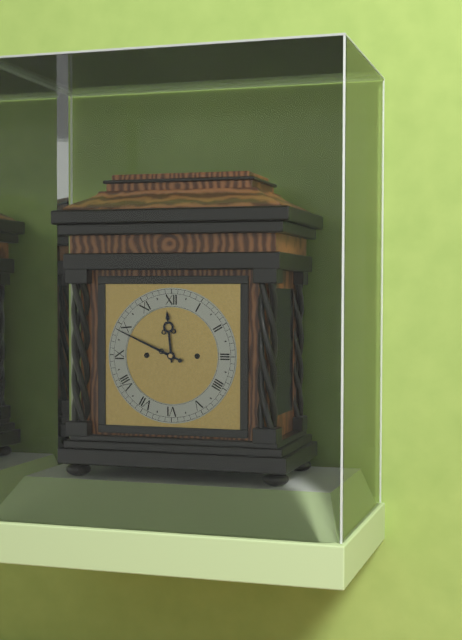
11:49
